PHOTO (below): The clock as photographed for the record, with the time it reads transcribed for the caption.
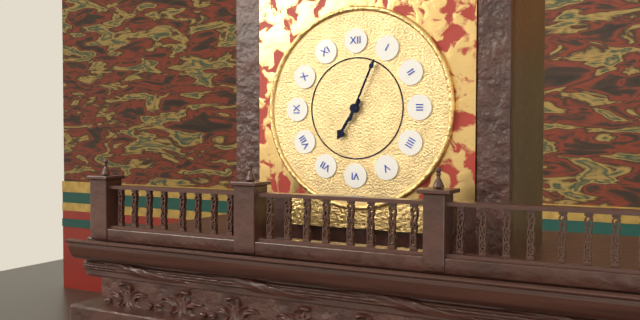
7:04
